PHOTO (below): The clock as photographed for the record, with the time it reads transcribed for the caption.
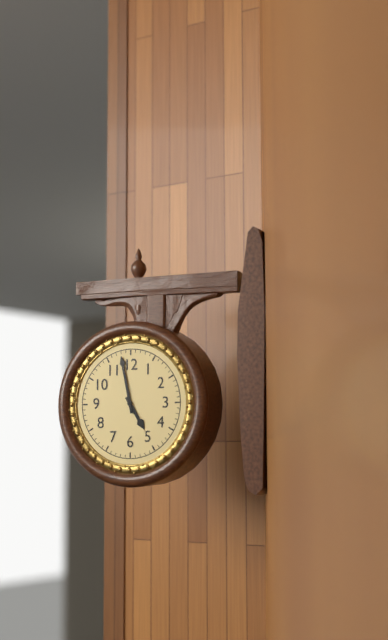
4:58
